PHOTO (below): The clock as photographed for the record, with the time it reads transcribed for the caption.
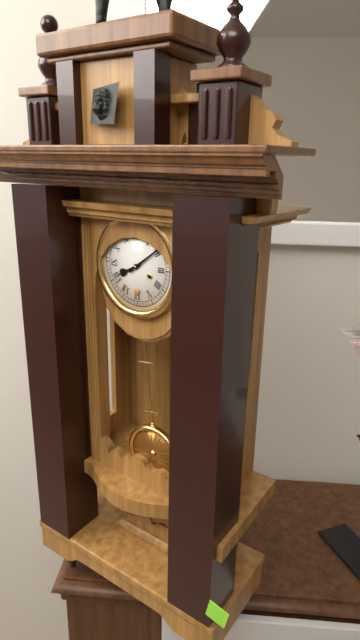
8:09
